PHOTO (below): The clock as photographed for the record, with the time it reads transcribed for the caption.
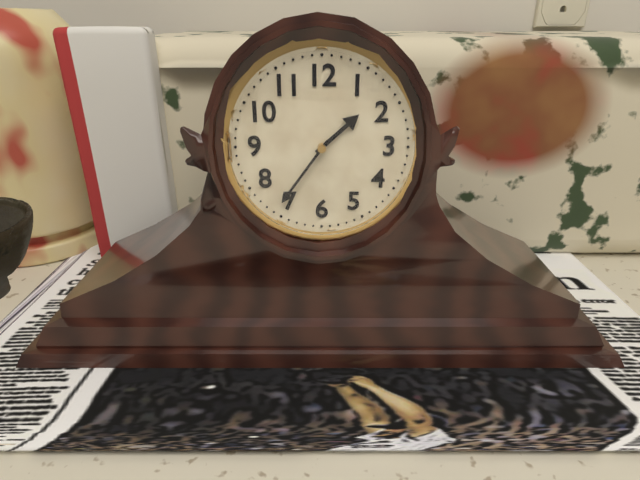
1:36
